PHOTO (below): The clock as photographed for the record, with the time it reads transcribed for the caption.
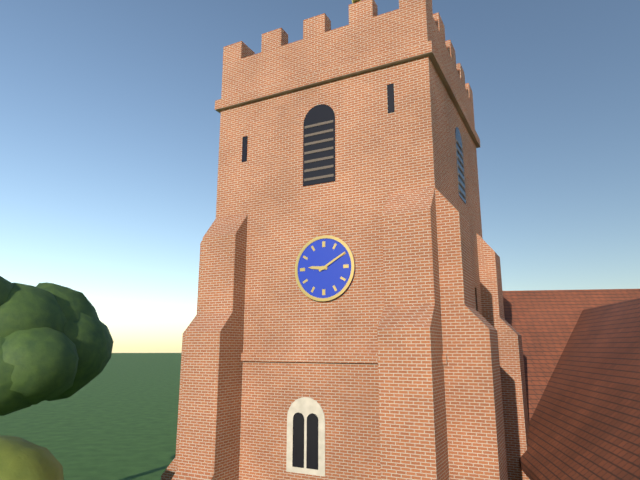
9:10
